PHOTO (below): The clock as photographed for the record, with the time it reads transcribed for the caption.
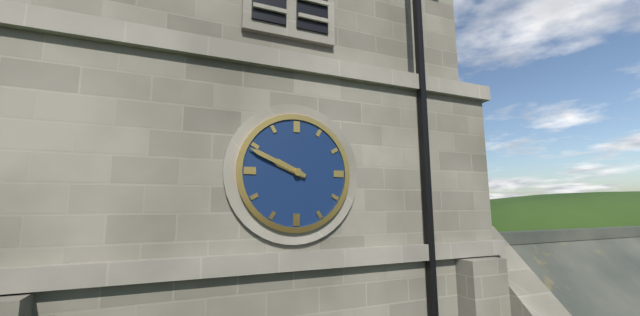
9:49
